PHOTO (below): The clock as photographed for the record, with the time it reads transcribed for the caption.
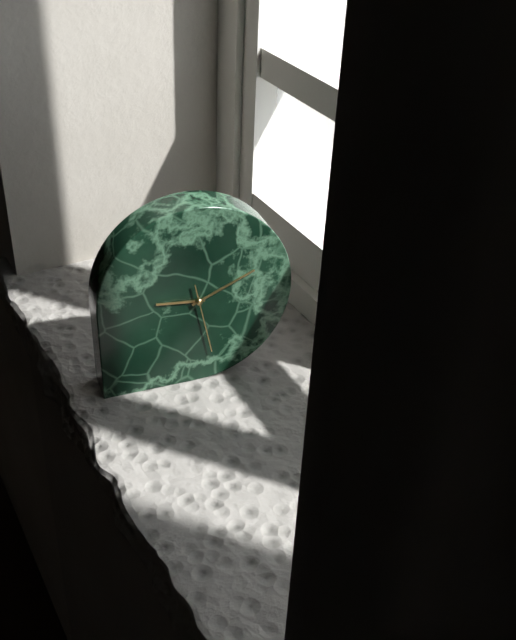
9:11:28
